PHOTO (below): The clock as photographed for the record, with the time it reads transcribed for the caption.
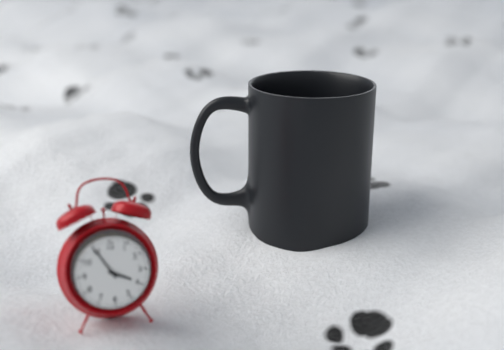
3:55
